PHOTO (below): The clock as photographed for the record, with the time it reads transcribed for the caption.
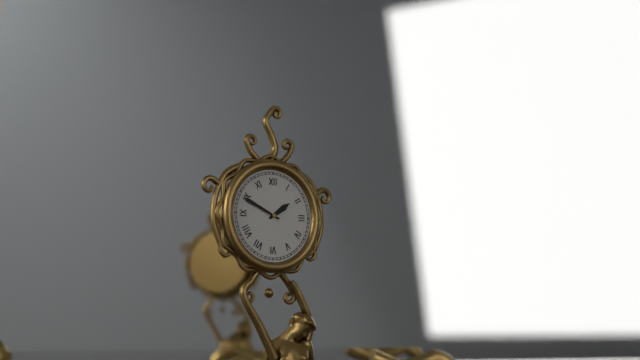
1:49
